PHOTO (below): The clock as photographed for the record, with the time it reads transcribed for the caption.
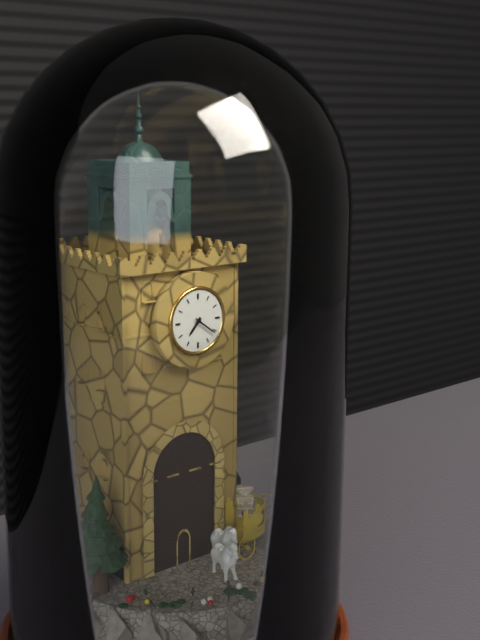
7:21
